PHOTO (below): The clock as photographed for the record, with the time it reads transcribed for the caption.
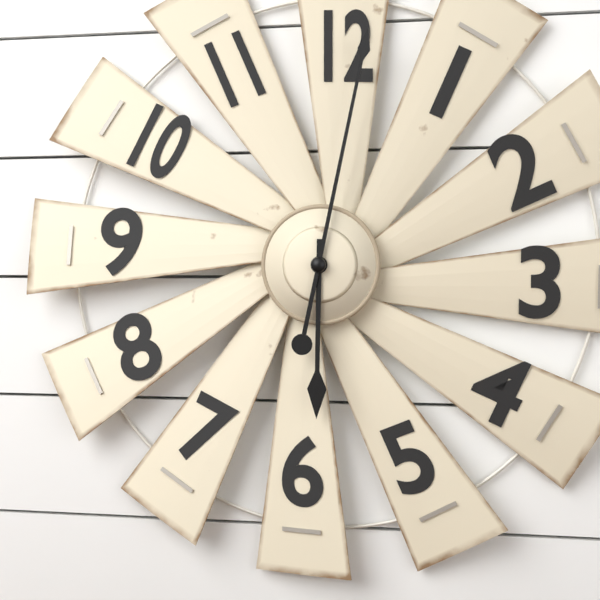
6:02
